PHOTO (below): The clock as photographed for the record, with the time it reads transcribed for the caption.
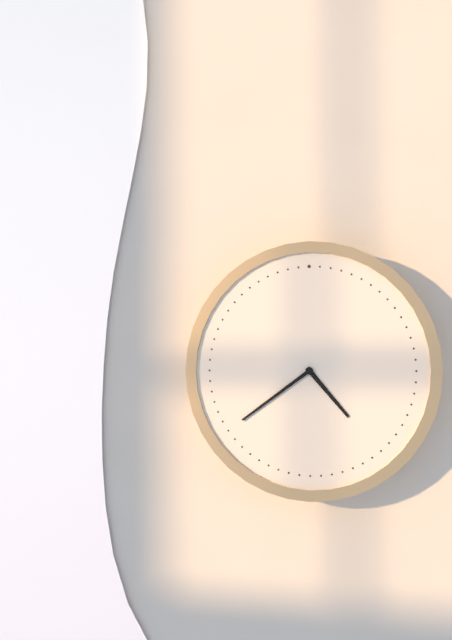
4:39
